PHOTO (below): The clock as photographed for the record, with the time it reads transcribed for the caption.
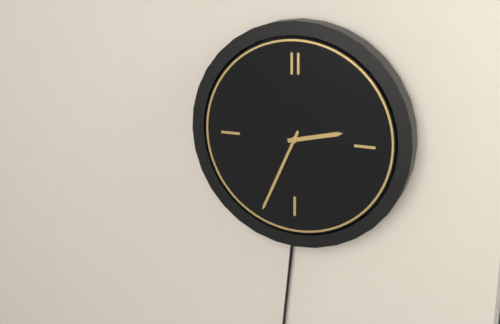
2:34
